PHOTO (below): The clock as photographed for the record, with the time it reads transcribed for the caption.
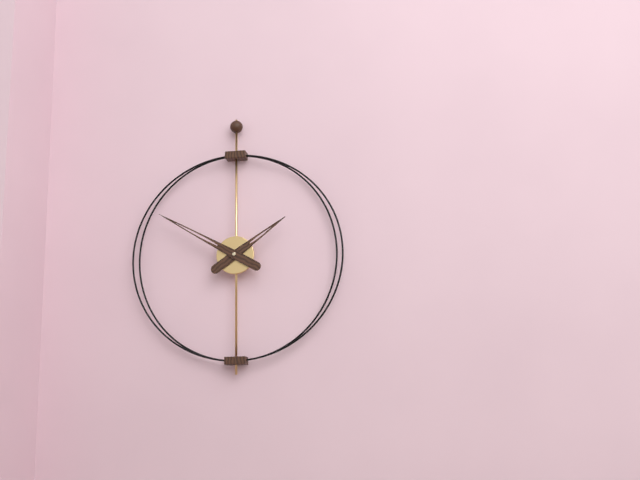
1:50
